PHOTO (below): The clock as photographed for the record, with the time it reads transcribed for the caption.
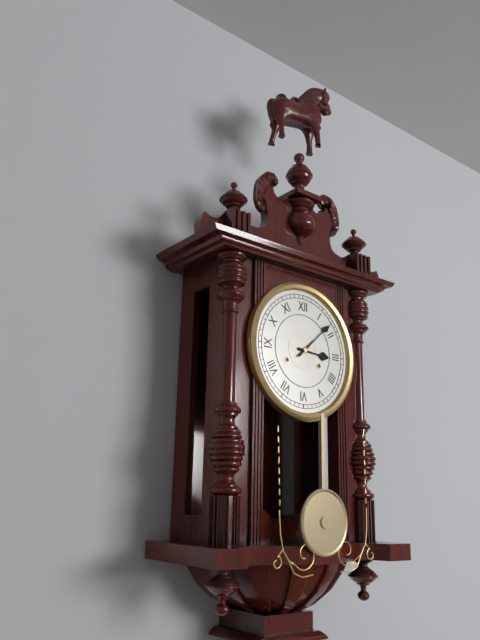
3:08
